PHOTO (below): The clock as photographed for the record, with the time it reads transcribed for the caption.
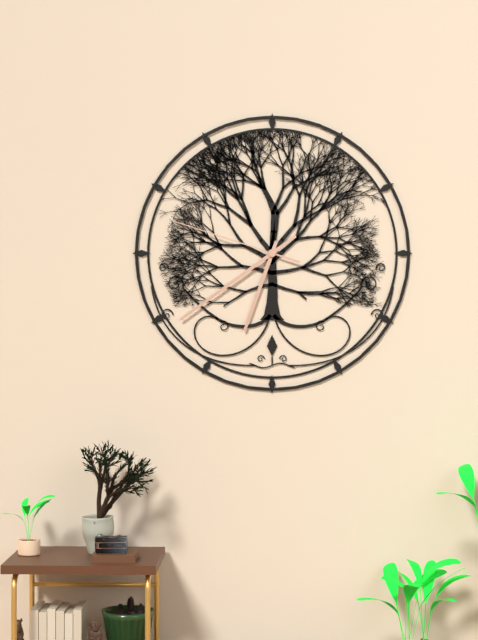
6:39:48
